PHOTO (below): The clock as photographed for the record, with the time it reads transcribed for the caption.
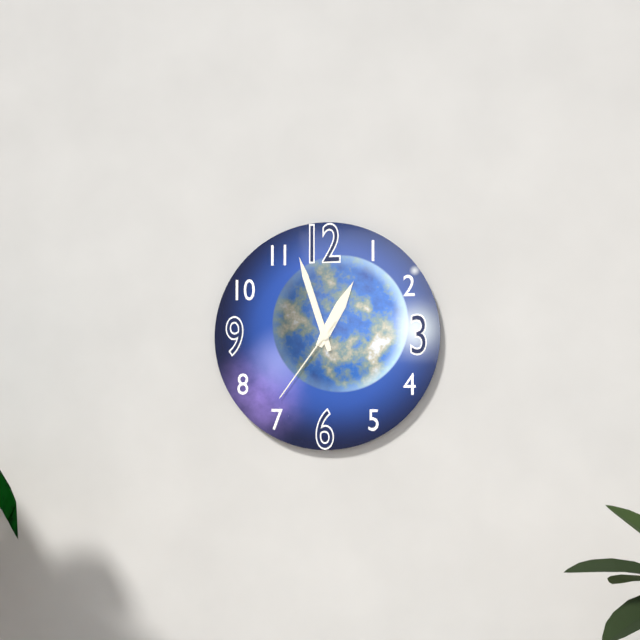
12:57:36
